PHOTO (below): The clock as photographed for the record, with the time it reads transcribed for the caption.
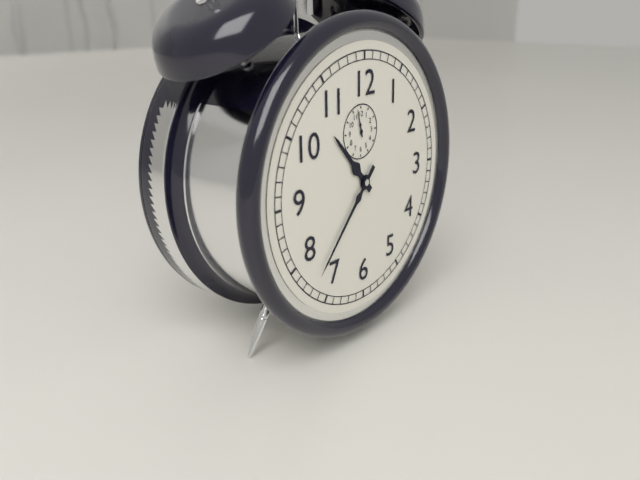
10:37
